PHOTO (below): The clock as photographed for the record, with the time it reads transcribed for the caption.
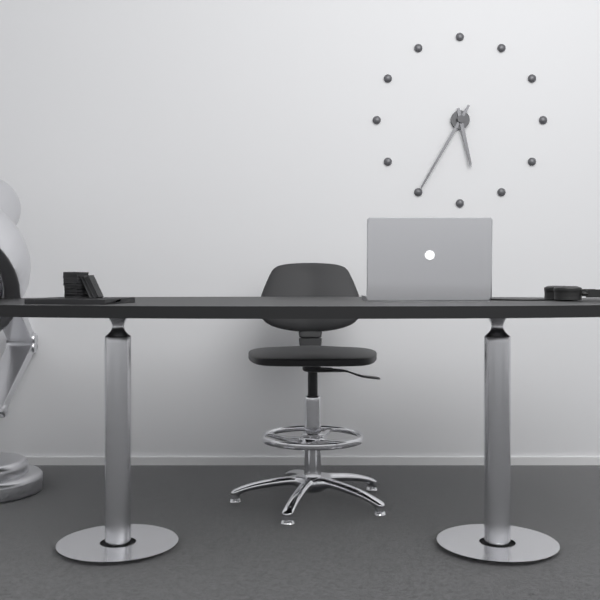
5:35
